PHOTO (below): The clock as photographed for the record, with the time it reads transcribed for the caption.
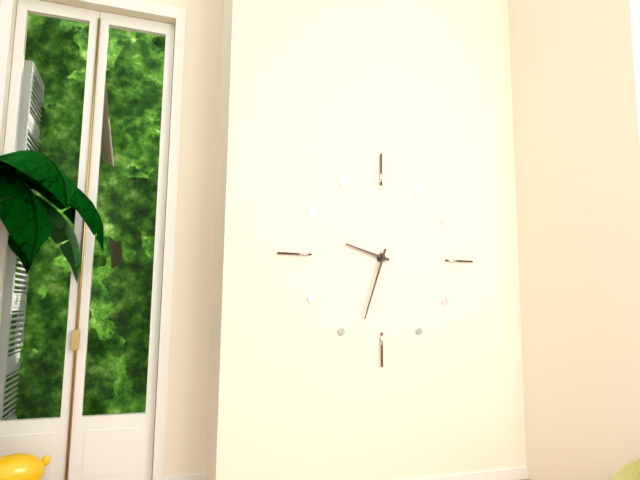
9:33
